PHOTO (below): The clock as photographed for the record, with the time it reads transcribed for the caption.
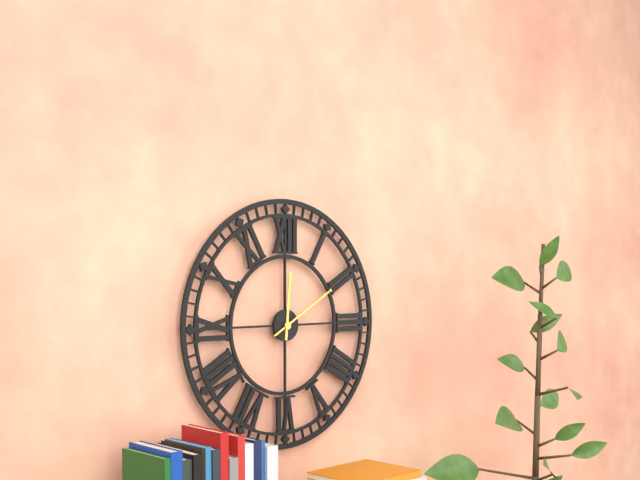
12:10
